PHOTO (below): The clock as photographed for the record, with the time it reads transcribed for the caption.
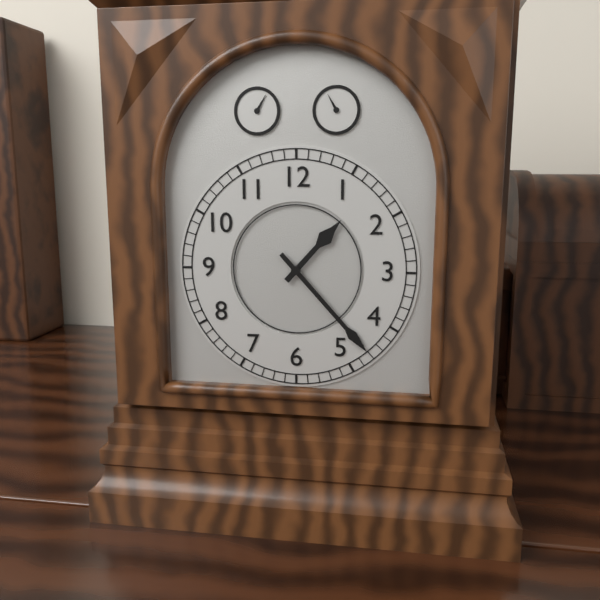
1:23
